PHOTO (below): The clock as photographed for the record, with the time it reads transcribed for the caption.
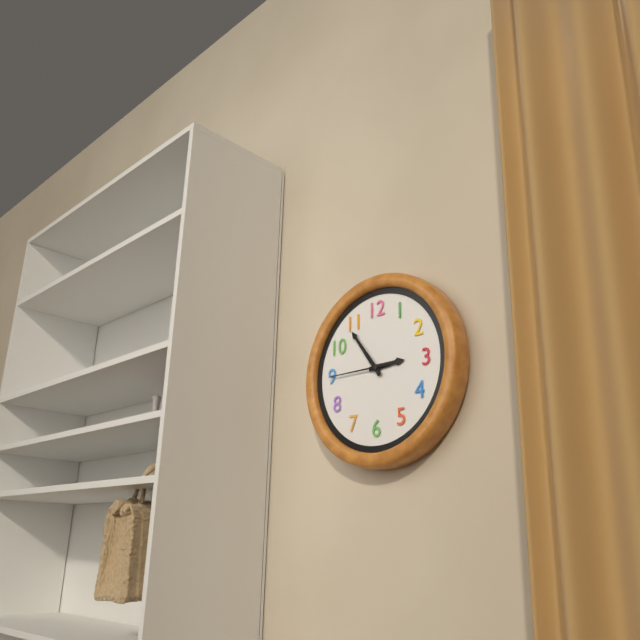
2:54:45
